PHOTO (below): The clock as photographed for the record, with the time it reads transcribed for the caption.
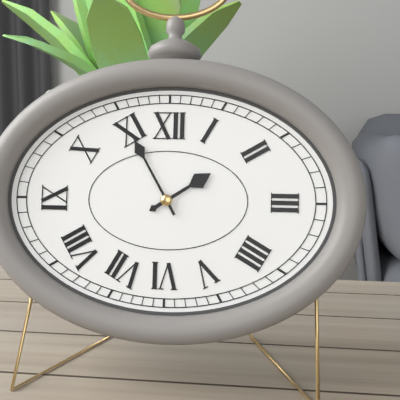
1:55
